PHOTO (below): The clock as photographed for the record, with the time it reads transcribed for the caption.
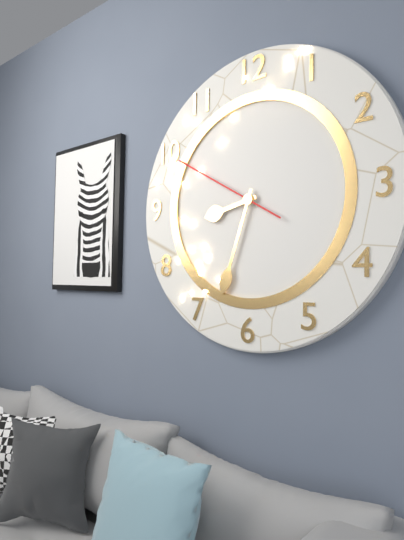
8:33:50
